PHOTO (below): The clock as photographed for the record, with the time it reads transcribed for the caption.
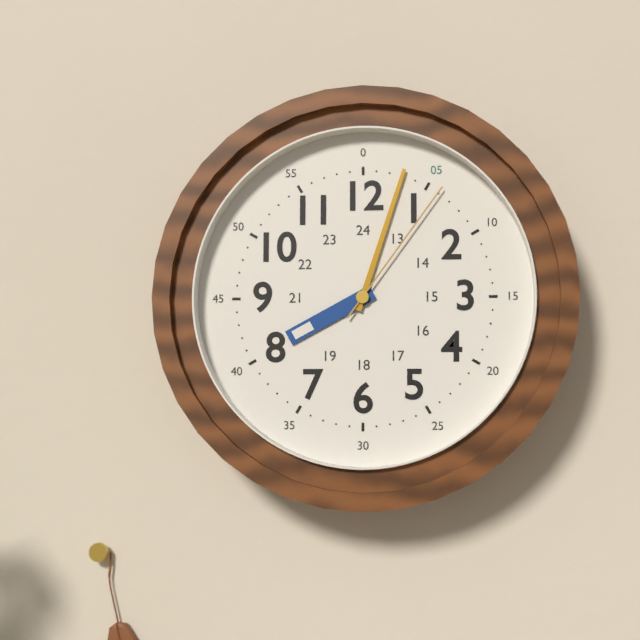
8:03:06
